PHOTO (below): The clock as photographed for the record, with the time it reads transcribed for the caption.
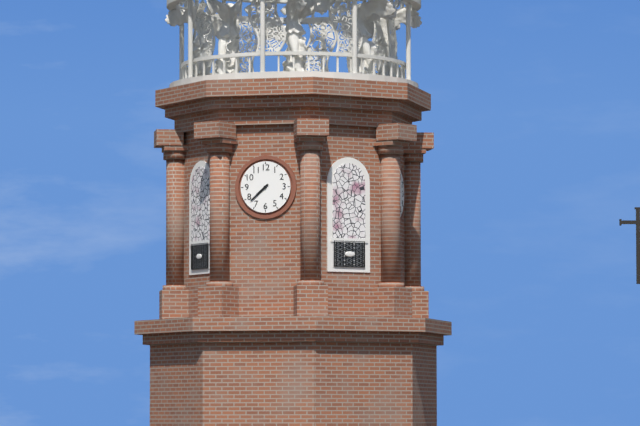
7:38
